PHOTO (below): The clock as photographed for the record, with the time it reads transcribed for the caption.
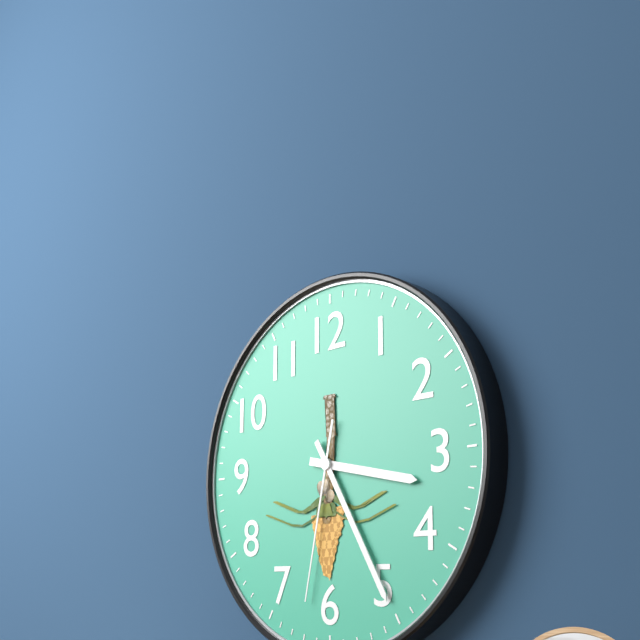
3:25:32
